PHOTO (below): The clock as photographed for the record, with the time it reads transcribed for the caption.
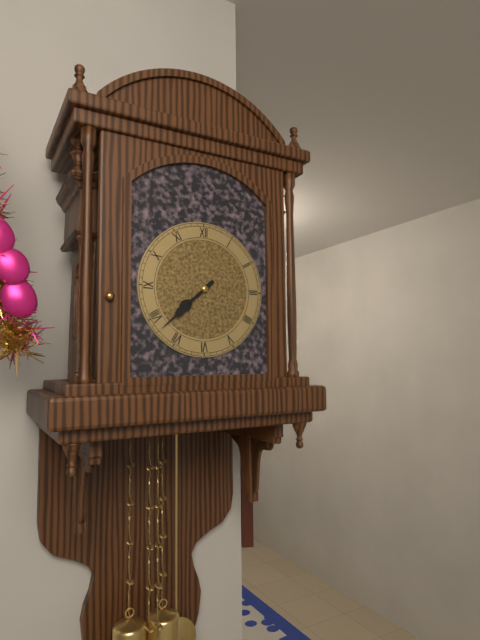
7:38
